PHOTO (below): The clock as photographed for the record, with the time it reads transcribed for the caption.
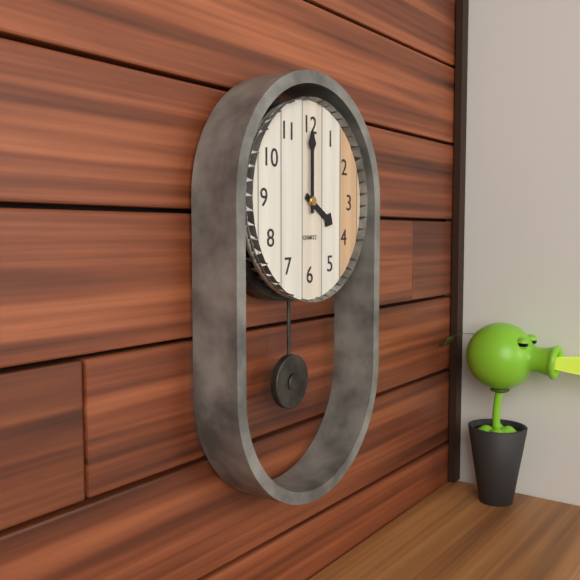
4:00
